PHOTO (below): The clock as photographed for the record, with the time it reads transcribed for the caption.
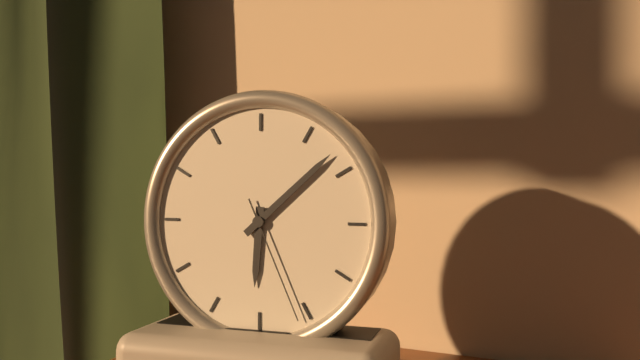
6:08:26
